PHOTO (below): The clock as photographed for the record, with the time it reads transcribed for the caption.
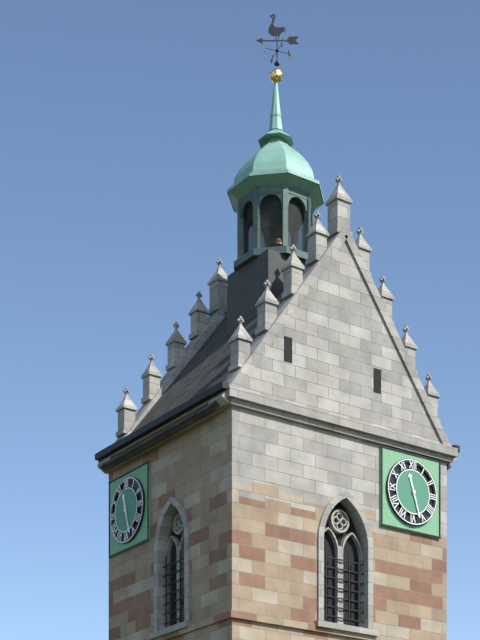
11:27
